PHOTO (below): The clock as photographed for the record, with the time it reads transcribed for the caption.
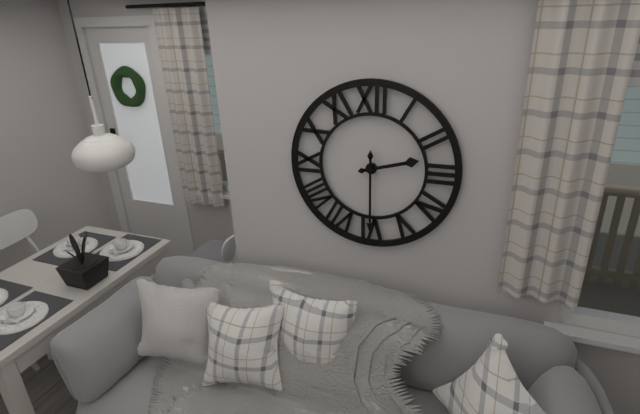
2:30
